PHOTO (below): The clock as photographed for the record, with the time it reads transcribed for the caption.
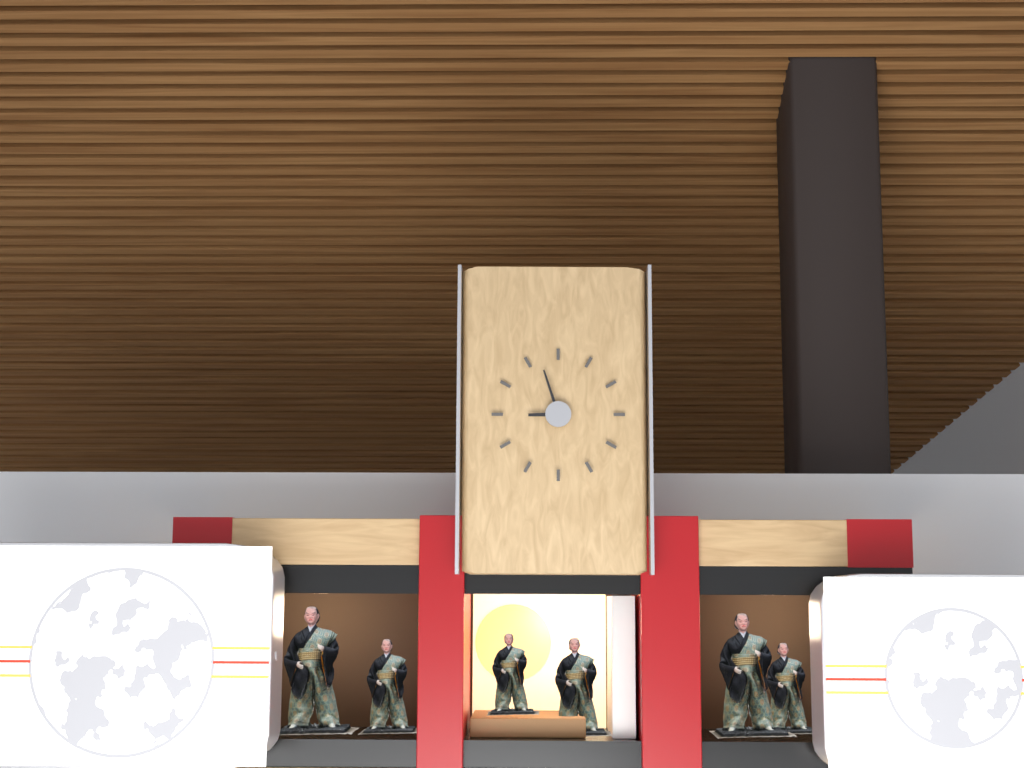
8:57
